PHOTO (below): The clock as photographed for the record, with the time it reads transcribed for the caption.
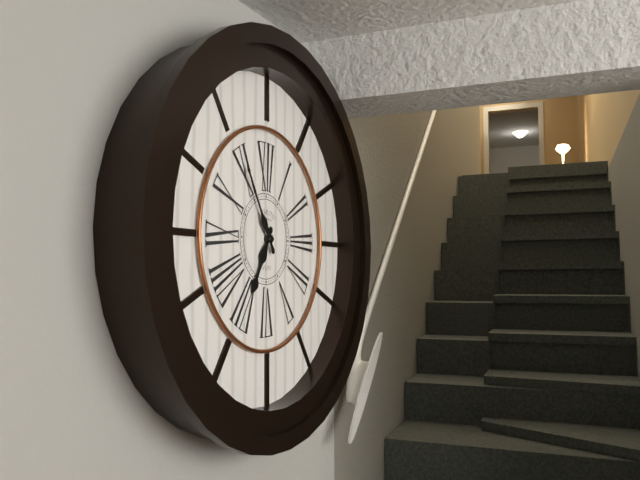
6:55
